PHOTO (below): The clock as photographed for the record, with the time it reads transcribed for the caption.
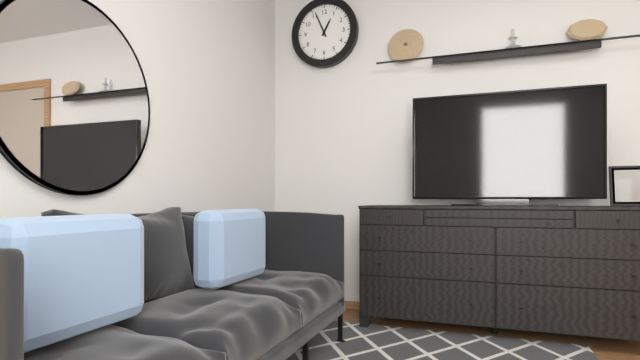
12:56
